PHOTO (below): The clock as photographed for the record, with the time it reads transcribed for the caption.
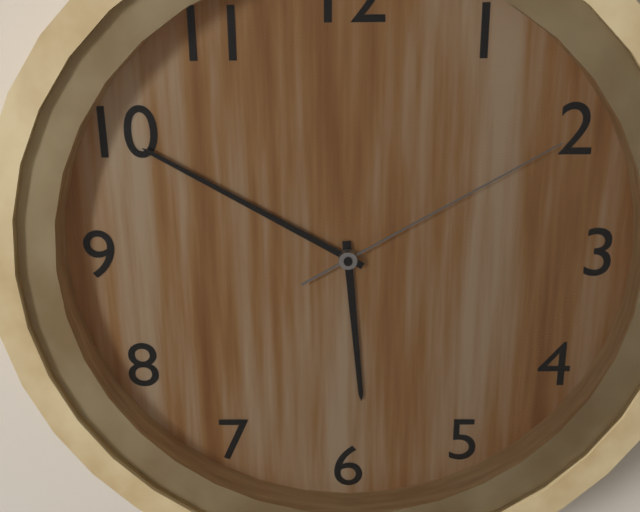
5:50:10
